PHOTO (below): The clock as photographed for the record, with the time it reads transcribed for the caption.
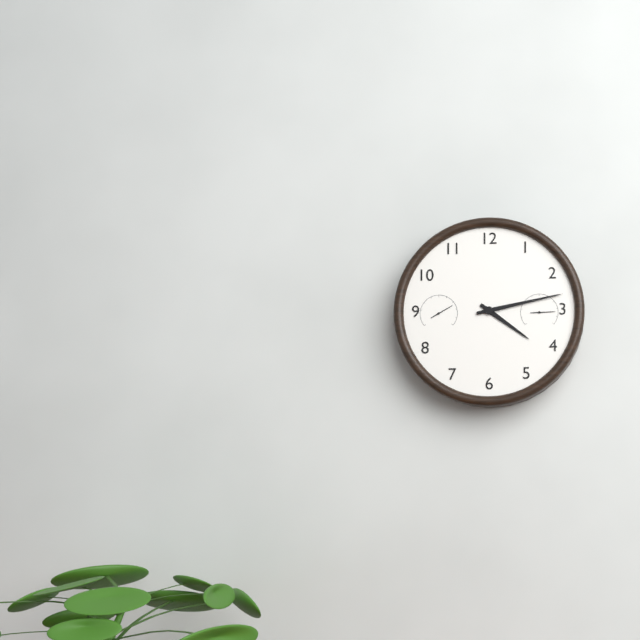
4:13
